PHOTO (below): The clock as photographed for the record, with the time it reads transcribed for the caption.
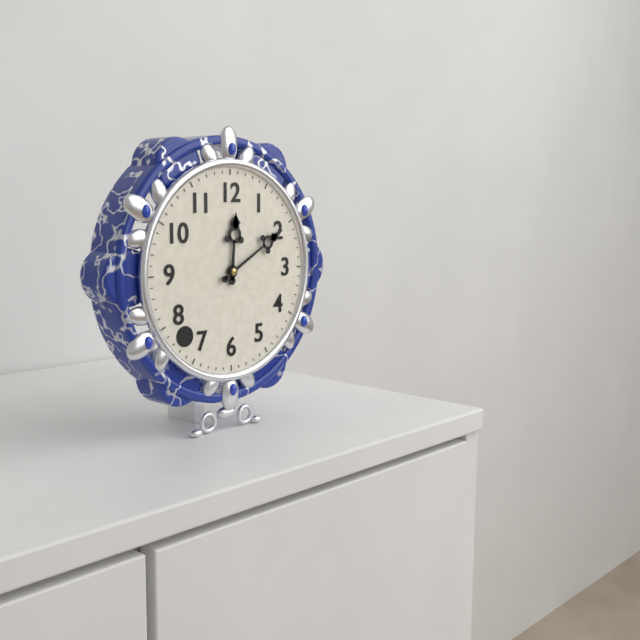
12:10
